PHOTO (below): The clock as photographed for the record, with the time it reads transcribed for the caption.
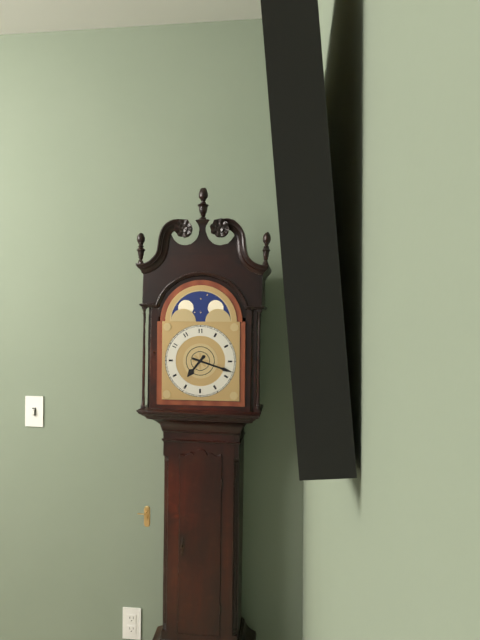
7:18
